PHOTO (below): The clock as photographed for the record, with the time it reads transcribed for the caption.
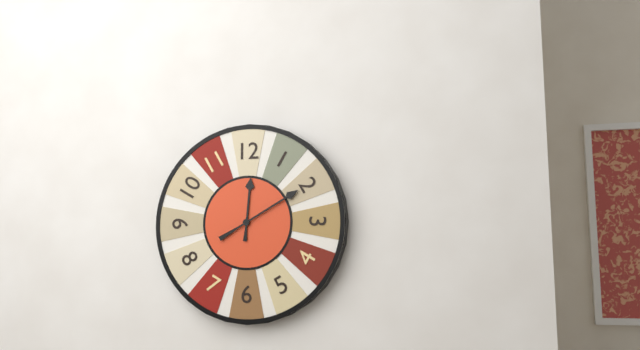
12:10
